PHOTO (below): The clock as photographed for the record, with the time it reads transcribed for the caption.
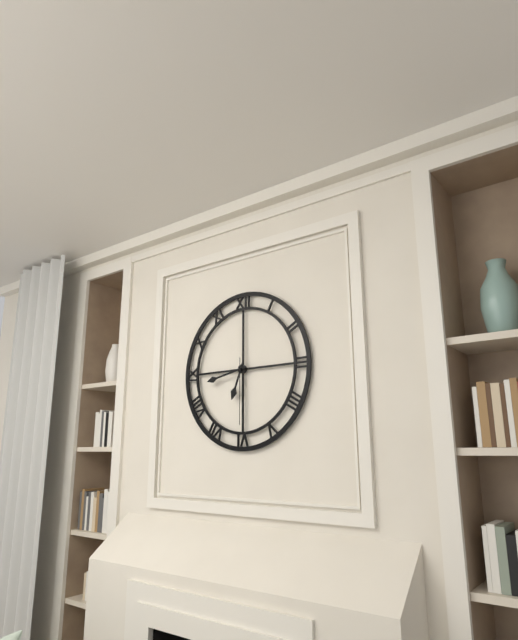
6:43:30
